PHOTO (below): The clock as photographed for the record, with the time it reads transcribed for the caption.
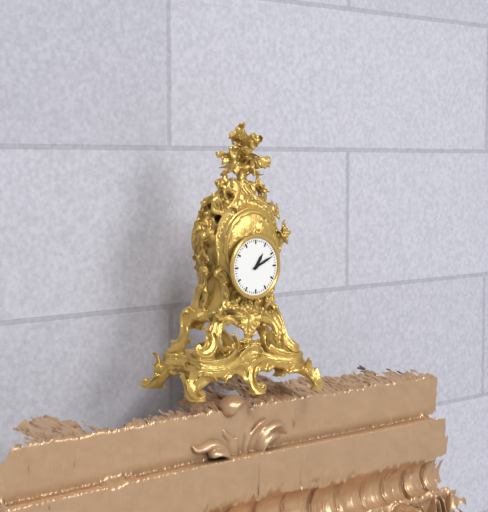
1:11
